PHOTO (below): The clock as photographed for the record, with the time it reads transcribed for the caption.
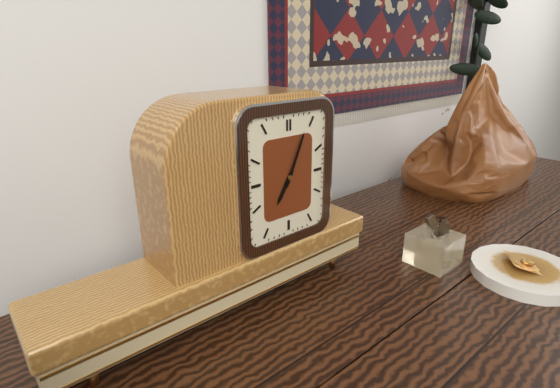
7:04
